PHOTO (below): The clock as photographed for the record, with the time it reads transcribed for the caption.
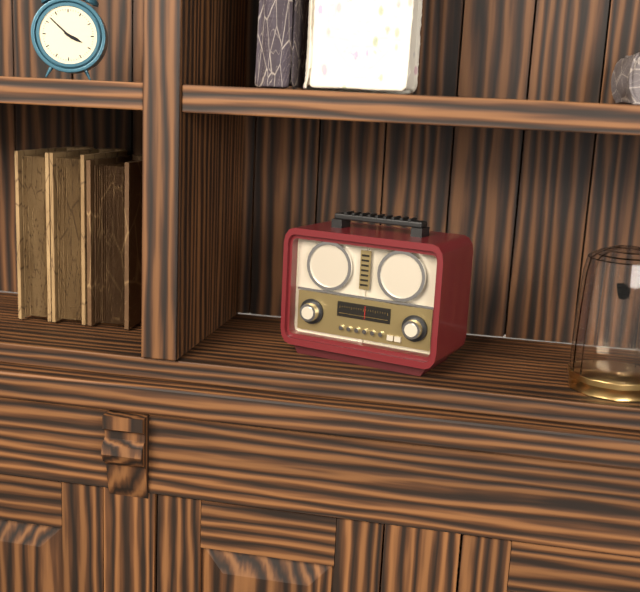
3:52
